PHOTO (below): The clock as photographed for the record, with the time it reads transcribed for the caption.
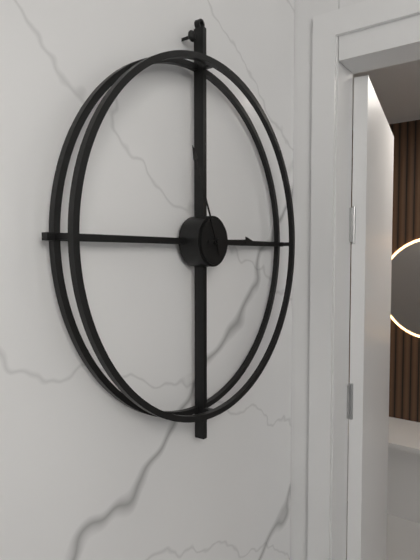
2:56
